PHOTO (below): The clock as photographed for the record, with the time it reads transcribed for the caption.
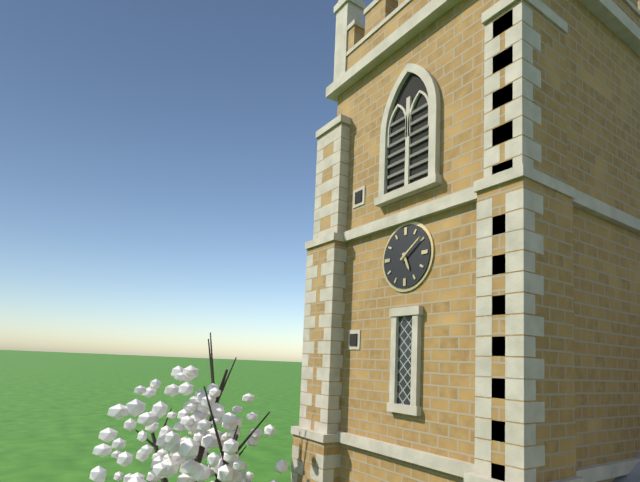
5:09
